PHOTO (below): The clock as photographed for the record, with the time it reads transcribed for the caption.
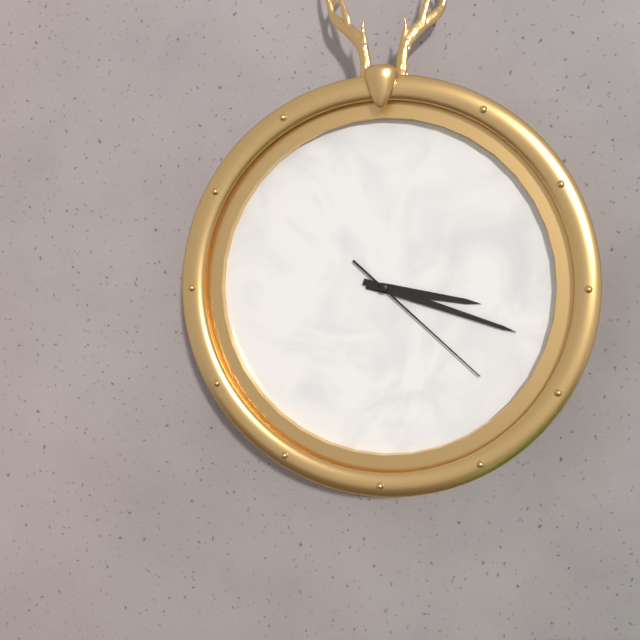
3:18:22
